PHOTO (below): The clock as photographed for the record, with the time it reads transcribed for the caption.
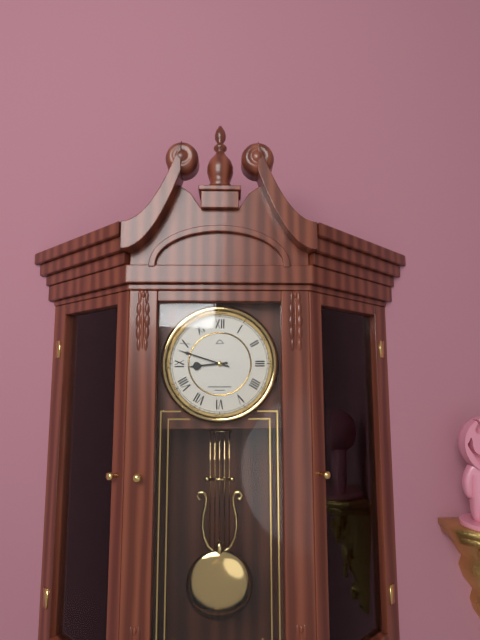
8:48
